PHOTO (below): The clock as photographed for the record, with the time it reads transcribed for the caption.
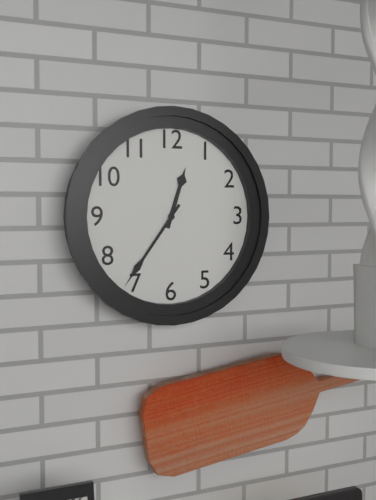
12:36
